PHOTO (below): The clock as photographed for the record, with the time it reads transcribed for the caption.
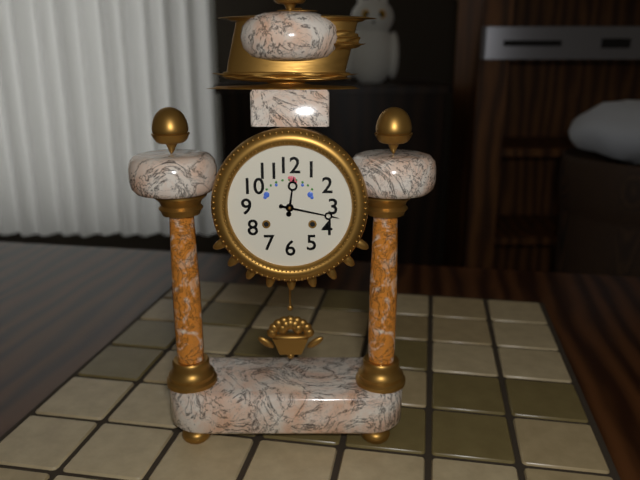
12:17
